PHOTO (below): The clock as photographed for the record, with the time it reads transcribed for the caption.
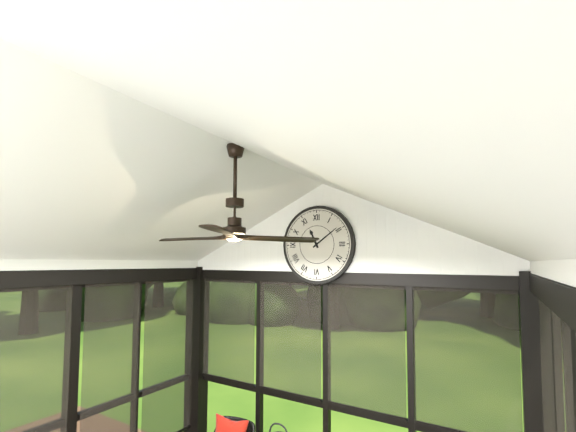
11:09
